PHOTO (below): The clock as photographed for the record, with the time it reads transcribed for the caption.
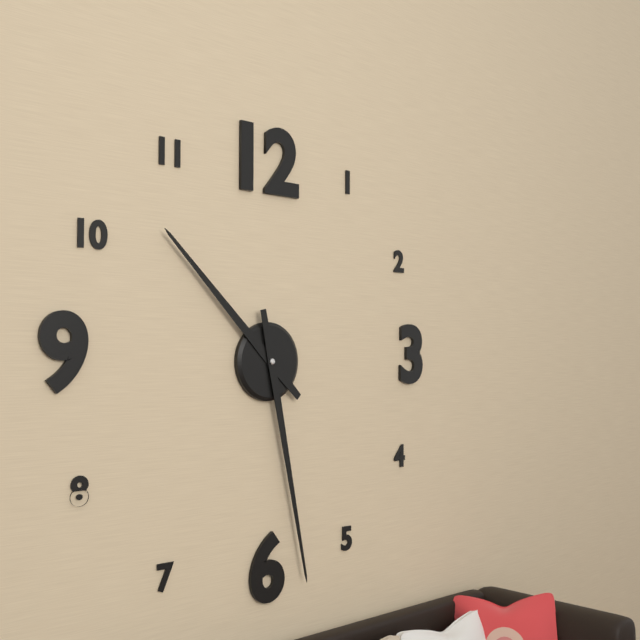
10:28
